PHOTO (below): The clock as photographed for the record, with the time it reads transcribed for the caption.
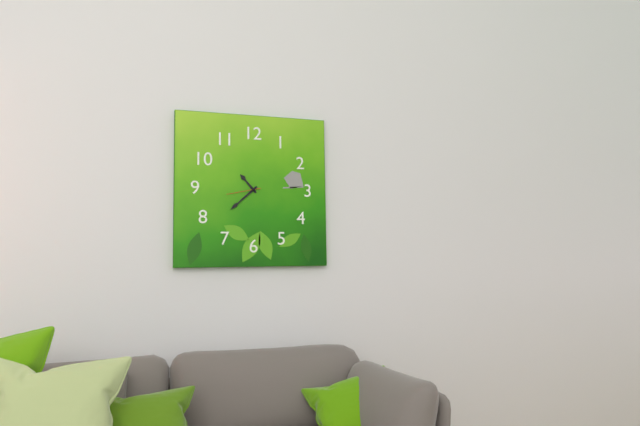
10:38
